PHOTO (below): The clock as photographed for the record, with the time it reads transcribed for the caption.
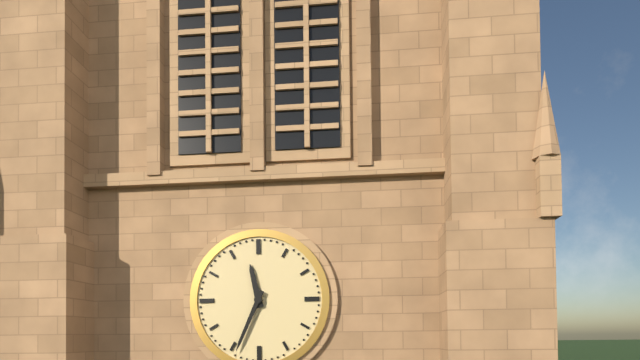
11:34
